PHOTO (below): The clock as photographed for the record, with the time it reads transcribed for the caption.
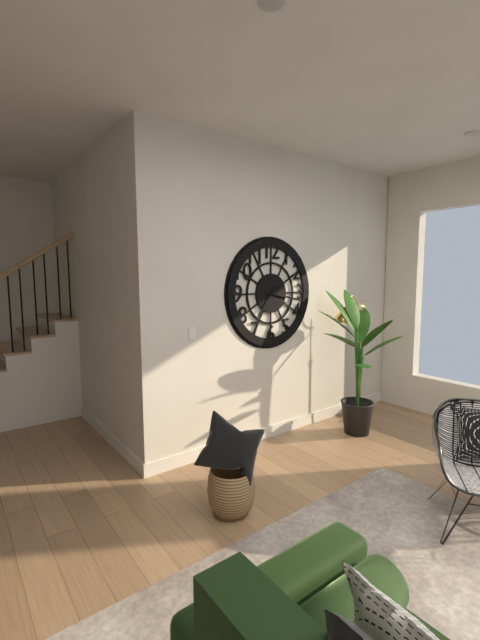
7:17
